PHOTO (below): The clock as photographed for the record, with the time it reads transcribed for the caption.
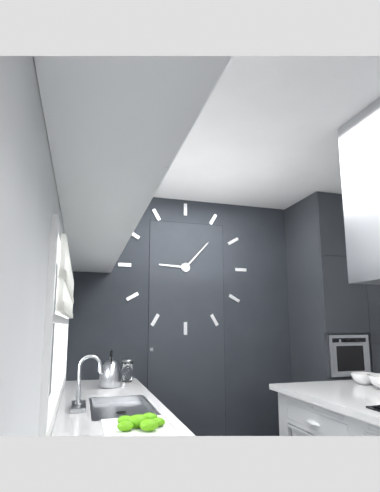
9:07
